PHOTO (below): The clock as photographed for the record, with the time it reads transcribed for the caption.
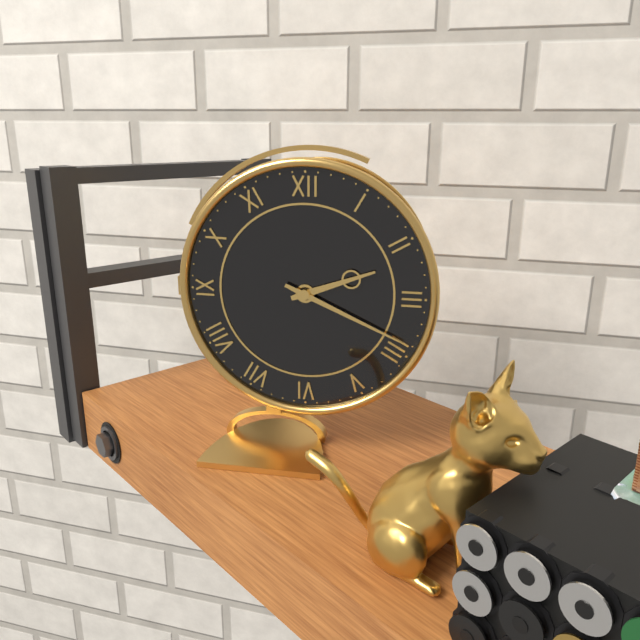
2:19
